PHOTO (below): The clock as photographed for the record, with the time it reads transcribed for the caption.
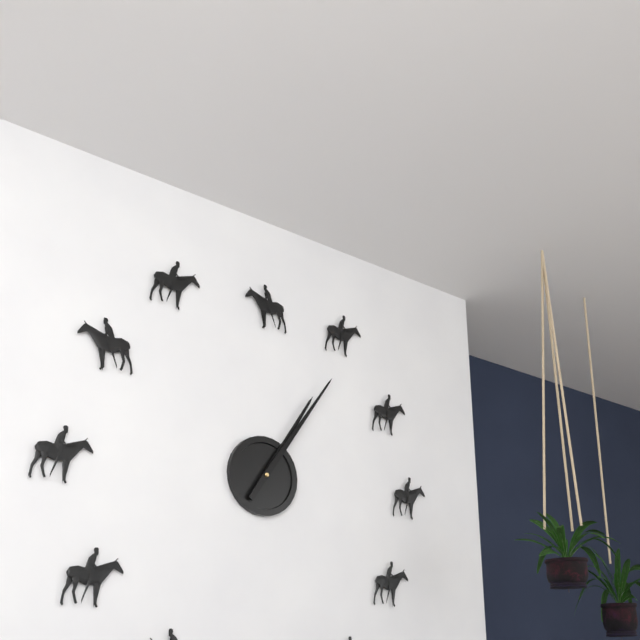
1:06
